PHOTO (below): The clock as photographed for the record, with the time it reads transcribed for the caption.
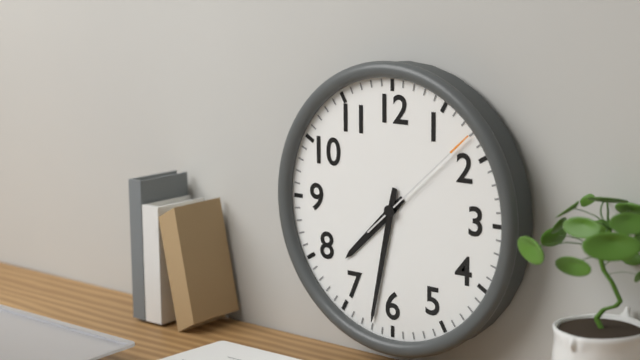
7:32:08
